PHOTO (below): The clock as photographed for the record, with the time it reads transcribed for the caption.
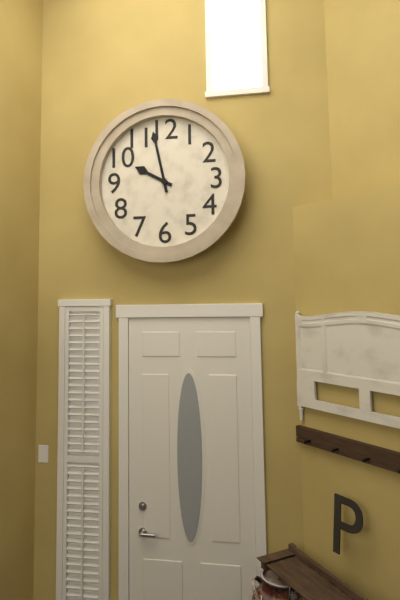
9:58
